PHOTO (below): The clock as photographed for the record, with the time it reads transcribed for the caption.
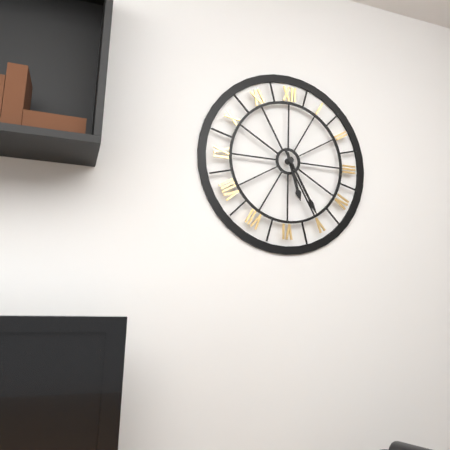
5:25
